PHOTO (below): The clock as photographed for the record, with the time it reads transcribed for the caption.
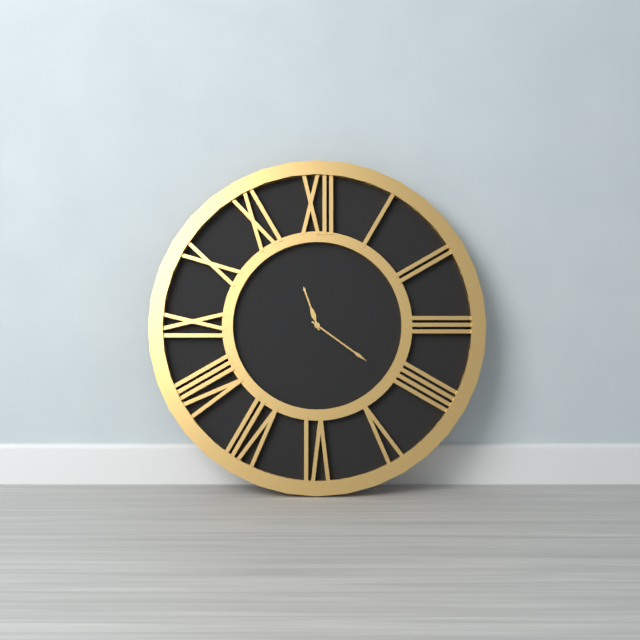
11:21
